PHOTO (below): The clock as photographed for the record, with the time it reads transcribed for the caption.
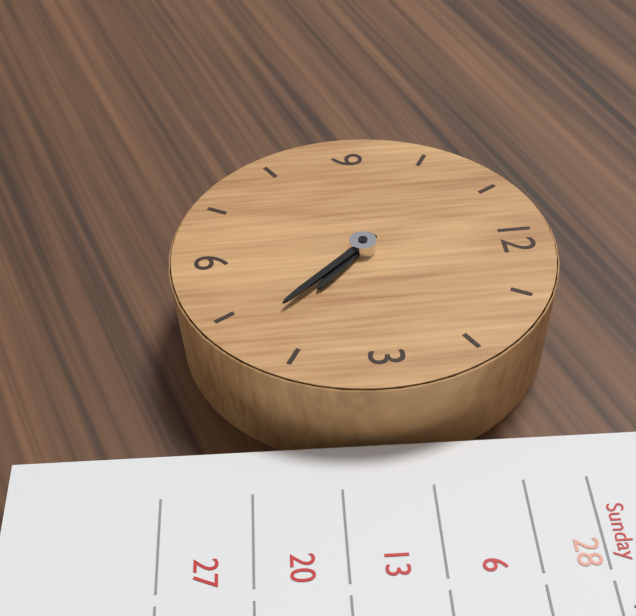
4:23
